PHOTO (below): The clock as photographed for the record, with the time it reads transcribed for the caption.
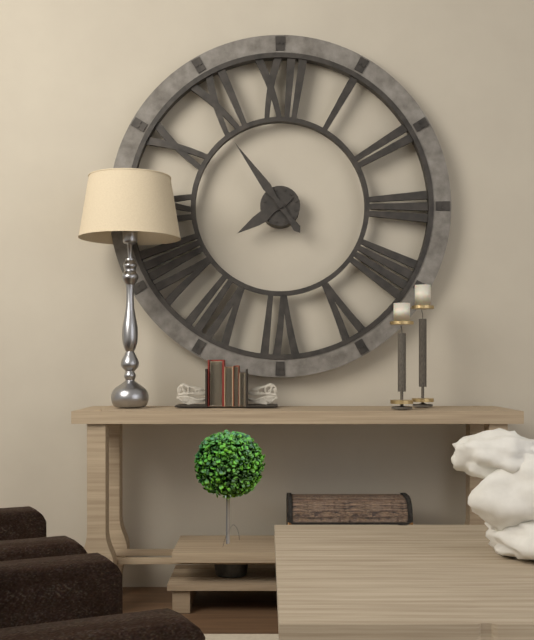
7:54
